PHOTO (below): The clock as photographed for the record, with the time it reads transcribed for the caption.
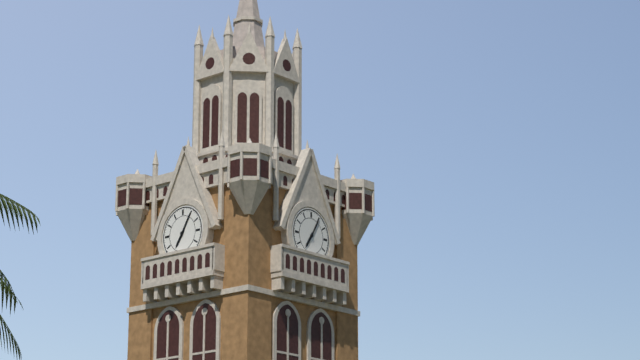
7:05
